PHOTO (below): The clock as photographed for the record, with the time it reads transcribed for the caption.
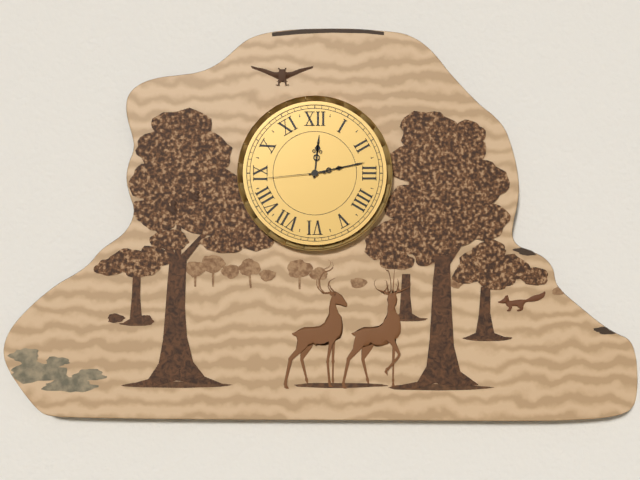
12:13:44
